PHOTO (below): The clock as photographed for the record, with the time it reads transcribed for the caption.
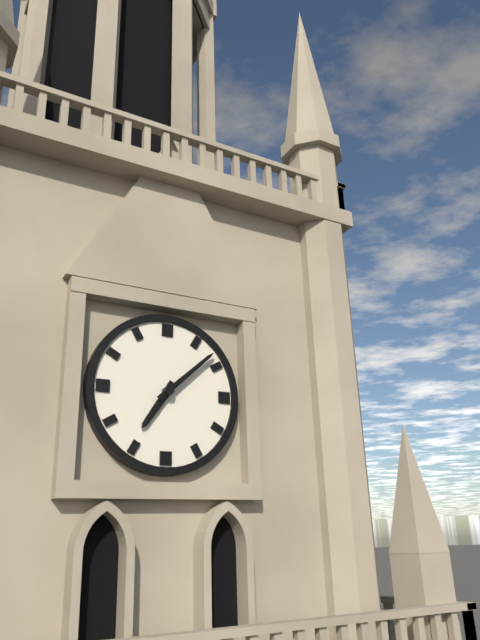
7:08
